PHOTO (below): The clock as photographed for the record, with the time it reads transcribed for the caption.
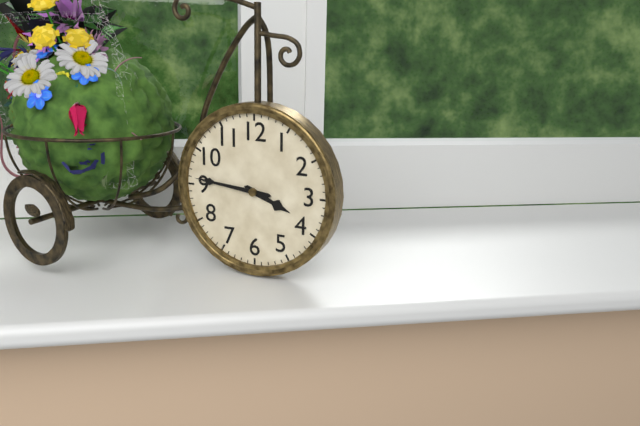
3:46
